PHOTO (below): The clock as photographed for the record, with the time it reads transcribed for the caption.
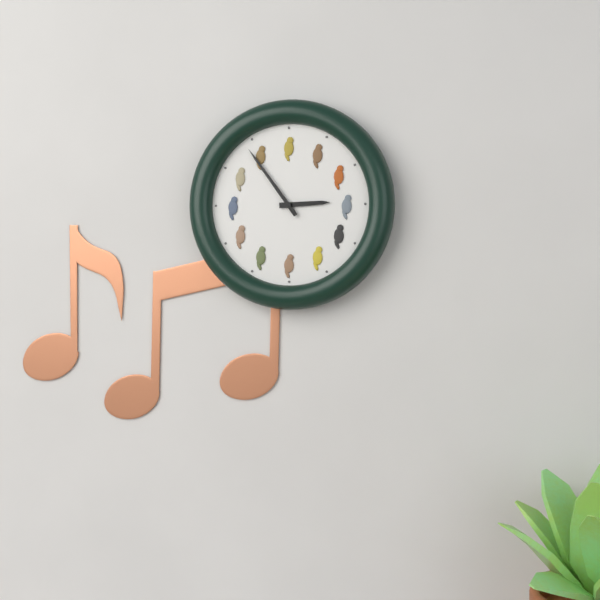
2:54
